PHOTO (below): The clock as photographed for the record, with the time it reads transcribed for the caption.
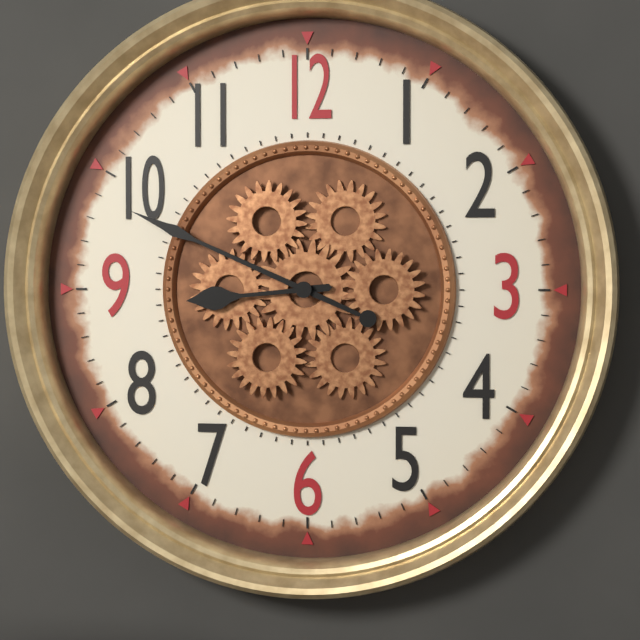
8:49
